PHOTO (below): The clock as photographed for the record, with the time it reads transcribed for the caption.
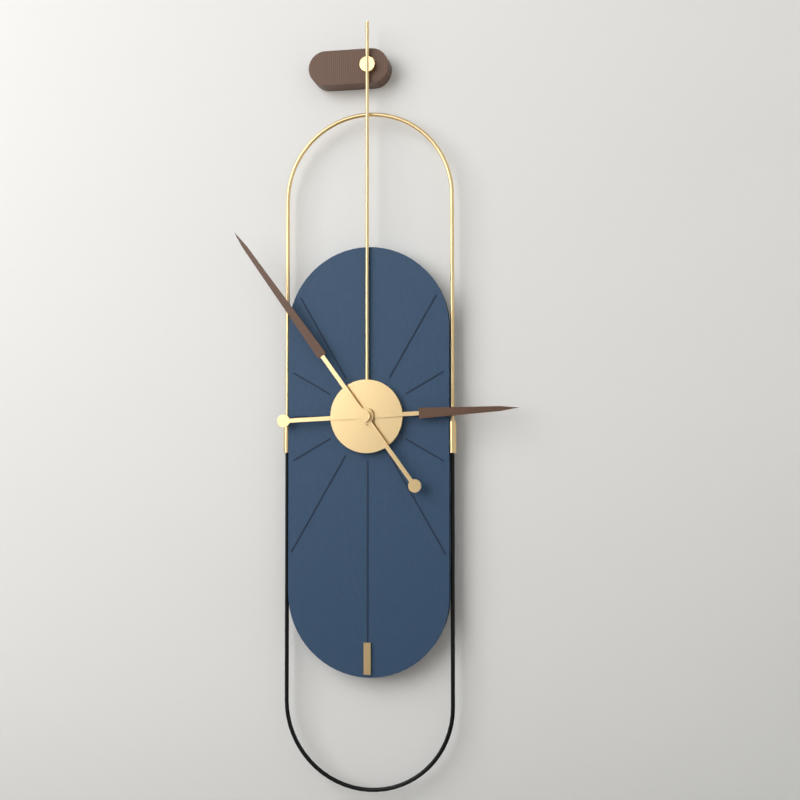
2:54
